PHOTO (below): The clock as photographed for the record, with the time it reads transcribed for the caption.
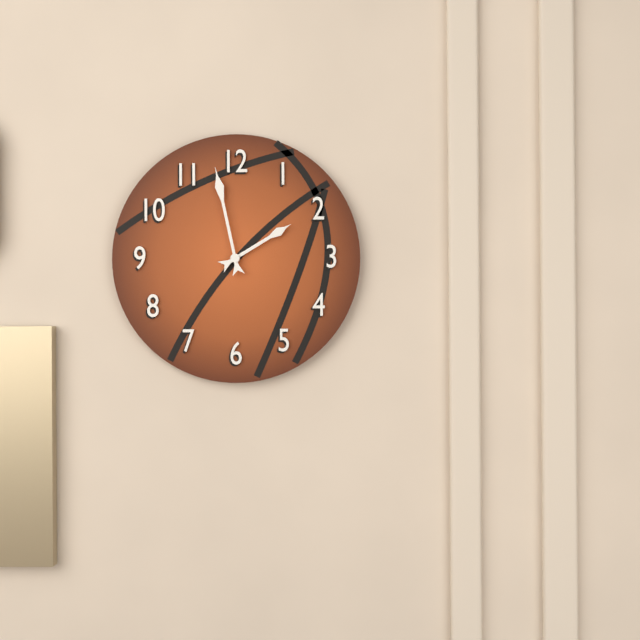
1:58
